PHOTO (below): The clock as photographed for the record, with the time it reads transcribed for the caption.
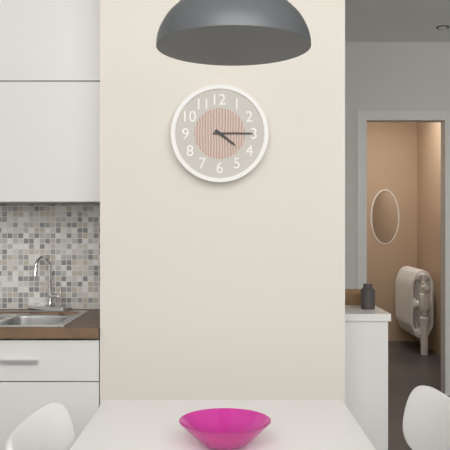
4:15
